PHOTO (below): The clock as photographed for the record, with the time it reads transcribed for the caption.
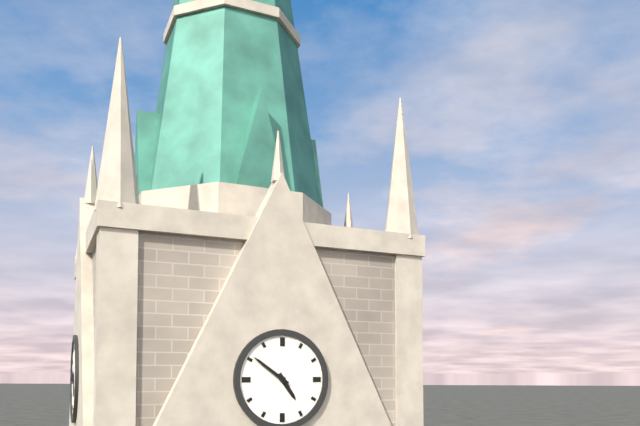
4:51
